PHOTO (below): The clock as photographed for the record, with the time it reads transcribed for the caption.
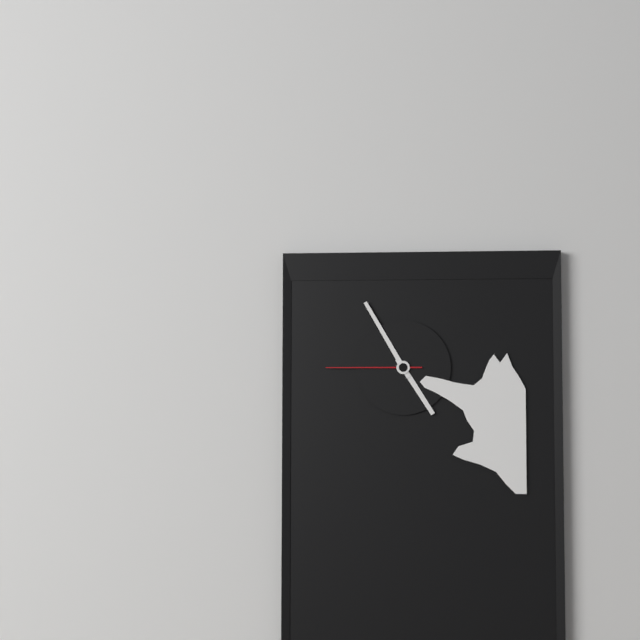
4:55:45
